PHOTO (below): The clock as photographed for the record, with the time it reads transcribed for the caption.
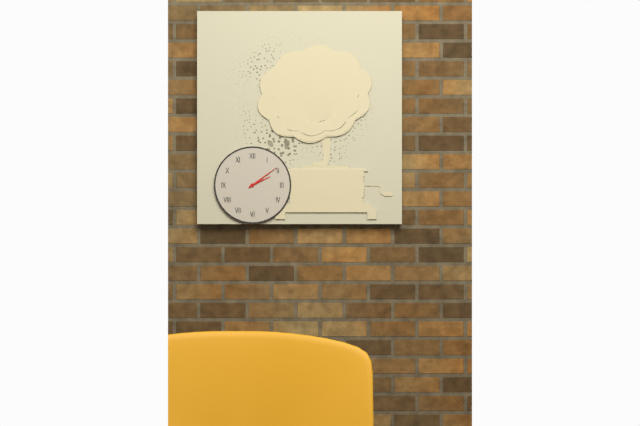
2:09
